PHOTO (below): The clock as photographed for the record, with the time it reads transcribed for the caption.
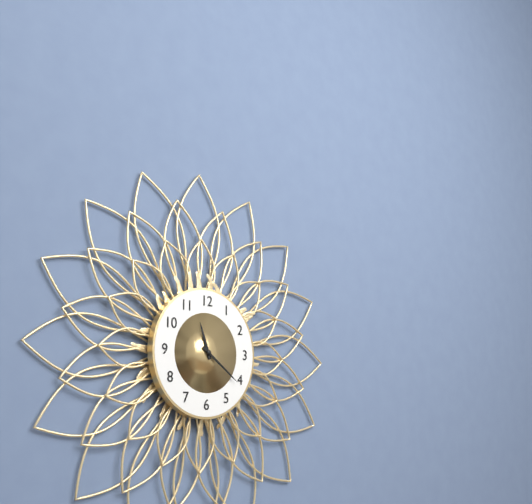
11:21
